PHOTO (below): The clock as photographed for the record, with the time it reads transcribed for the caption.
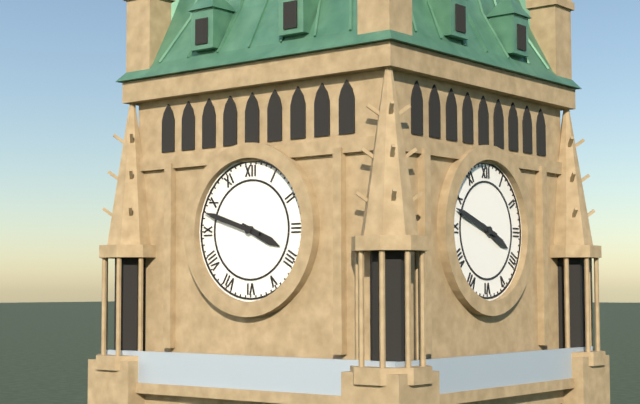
3:48
